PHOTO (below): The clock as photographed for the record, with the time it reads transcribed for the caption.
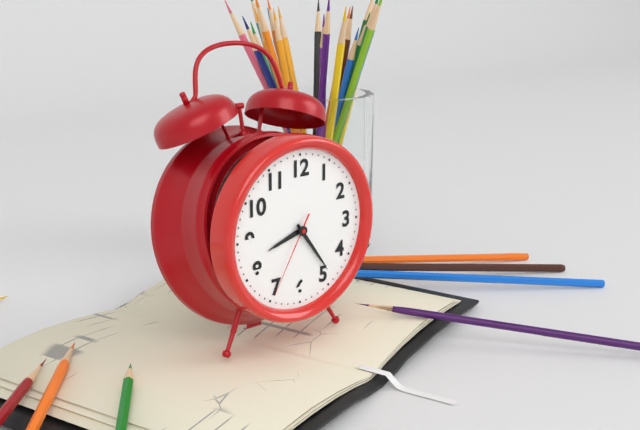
8:24:35
